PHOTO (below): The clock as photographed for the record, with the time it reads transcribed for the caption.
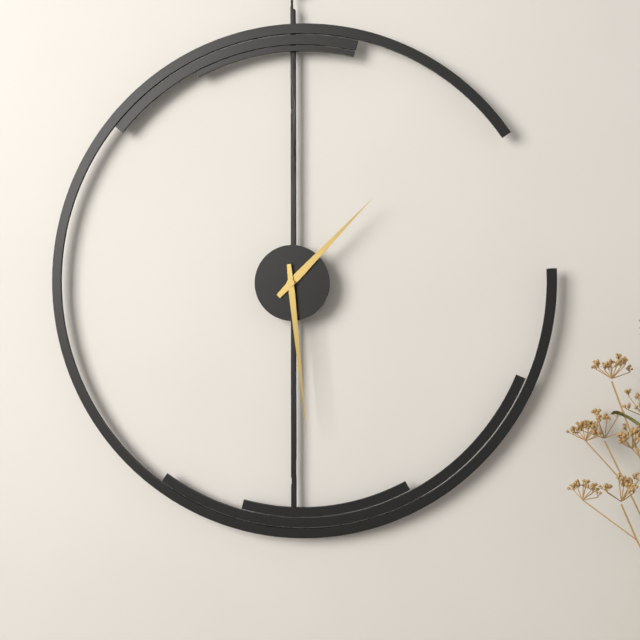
1:29
